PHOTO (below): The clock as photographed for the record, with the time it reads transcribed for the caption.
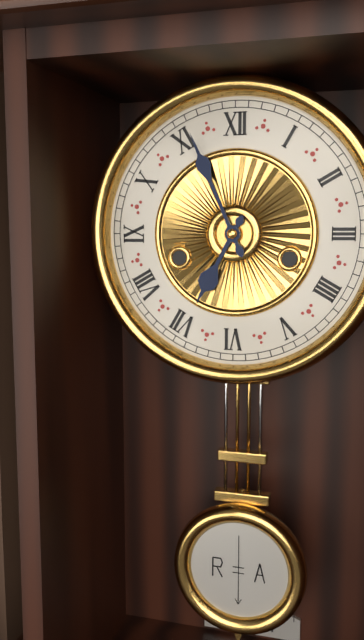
6:56
